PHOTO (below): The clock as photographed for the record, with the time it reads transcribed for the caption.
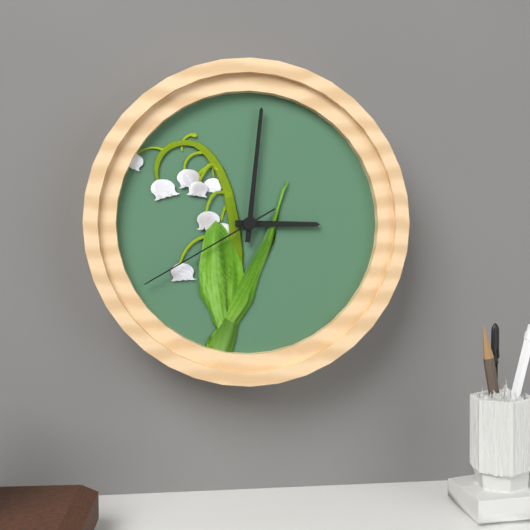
3:01:40
